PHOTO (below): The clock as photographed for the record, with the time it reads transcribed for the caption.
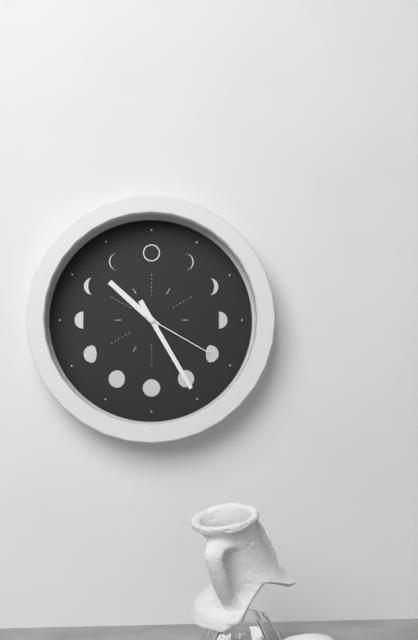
10:25:20
